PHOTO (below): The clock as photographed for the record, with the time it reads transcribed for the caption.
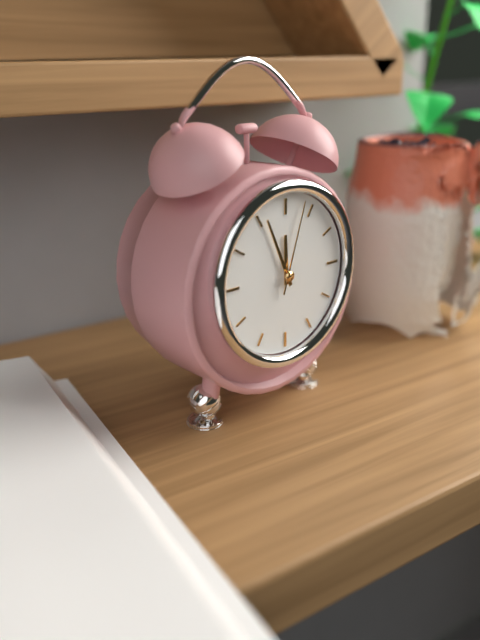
11:56:03
